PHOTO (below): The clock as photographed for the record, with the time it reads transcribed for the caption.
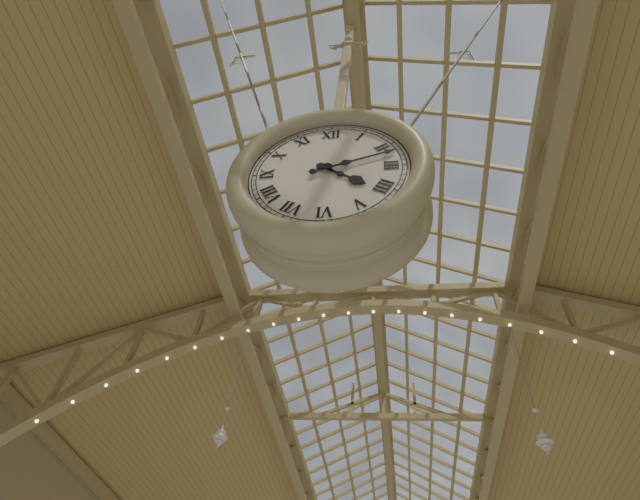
4:12
